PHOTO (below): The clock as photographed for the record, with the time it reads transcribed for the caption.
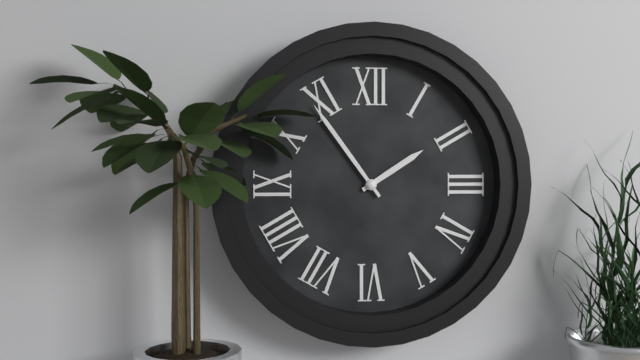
1:54
